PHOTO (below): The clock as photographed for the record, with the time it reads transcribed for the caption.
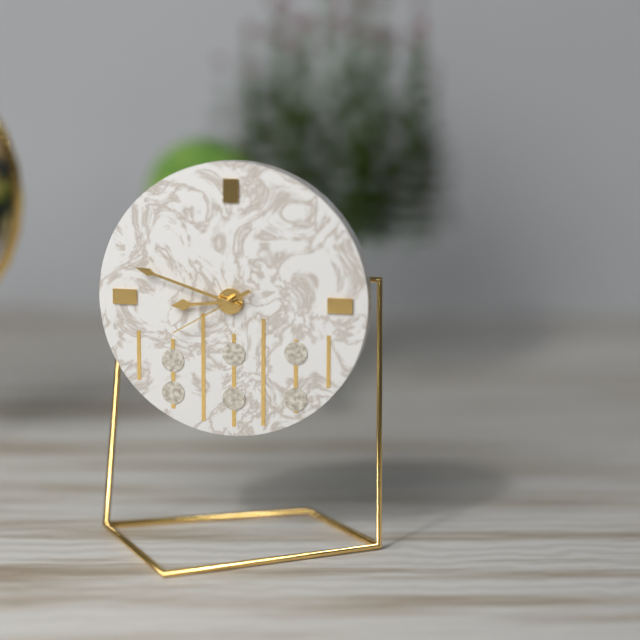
8:48:40
